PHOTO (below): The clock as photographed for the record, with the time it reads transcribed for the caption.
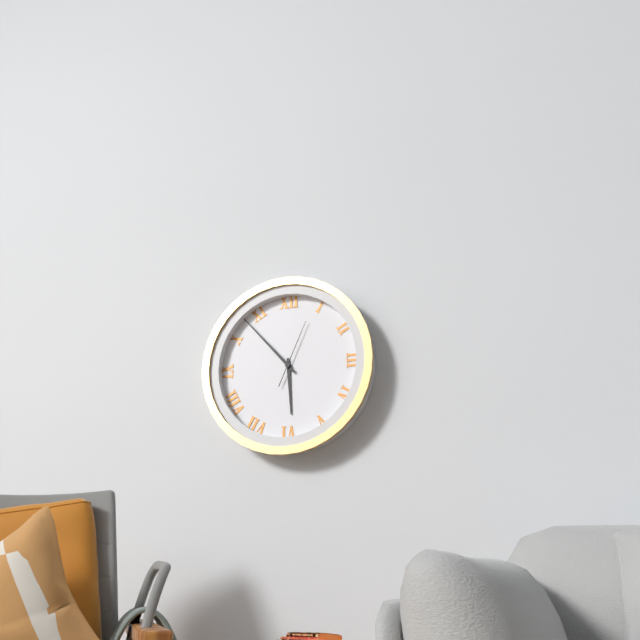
5:53:04
